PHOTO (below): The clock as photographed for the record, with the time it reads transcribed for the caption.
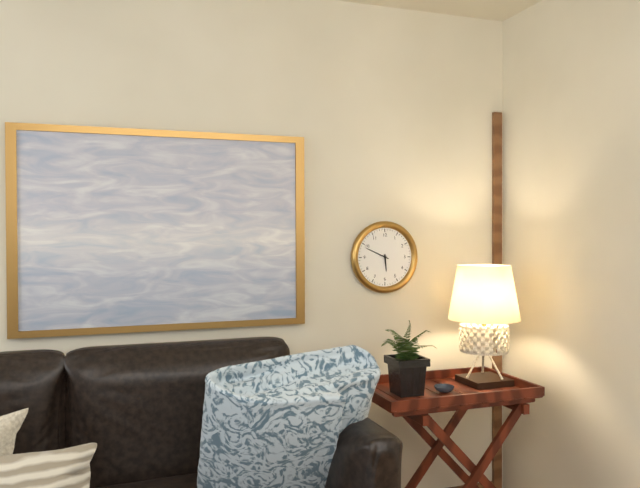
5:49
